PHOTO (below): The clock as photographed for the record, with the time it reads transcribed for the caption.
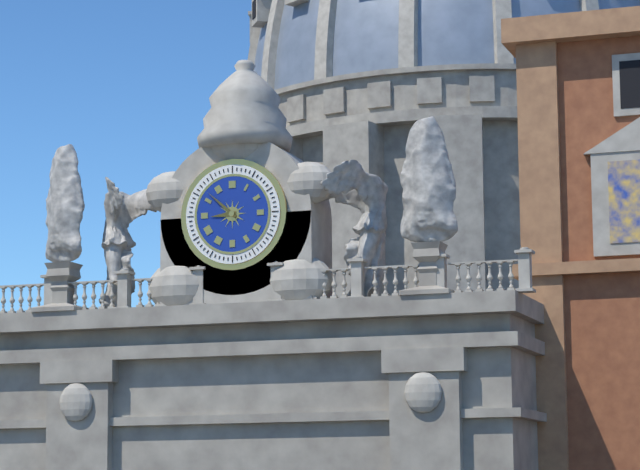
8:52
